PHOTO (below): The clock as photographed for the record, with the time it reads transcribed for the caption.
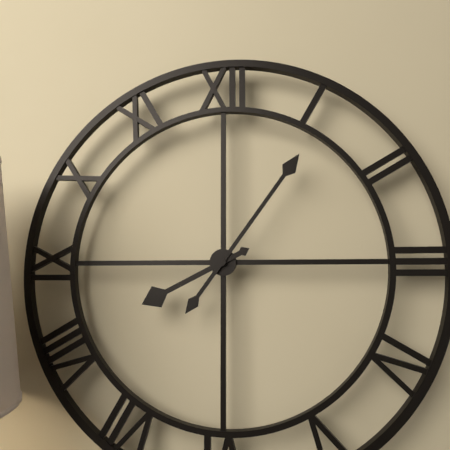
8:06
